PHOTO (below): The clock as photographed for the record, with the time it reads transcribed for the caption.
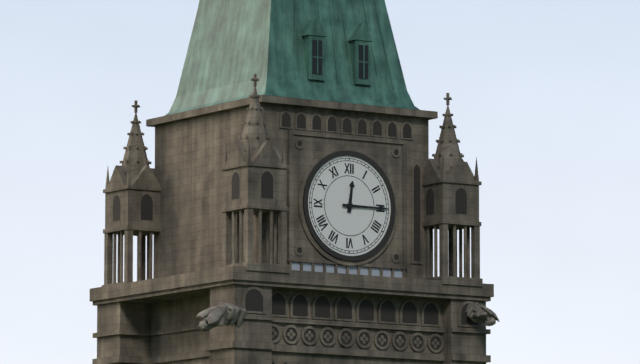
12:15
